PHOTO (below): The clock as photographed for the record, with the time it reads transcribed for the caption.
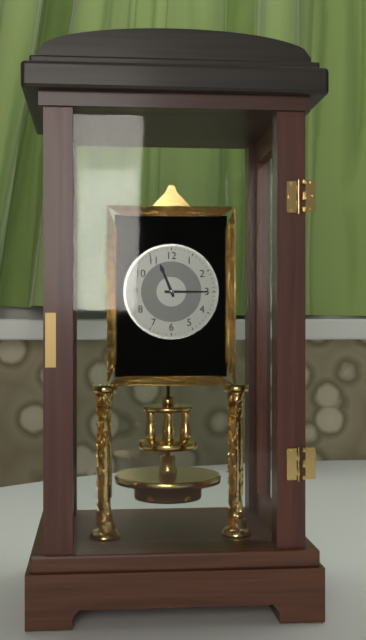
11:15
